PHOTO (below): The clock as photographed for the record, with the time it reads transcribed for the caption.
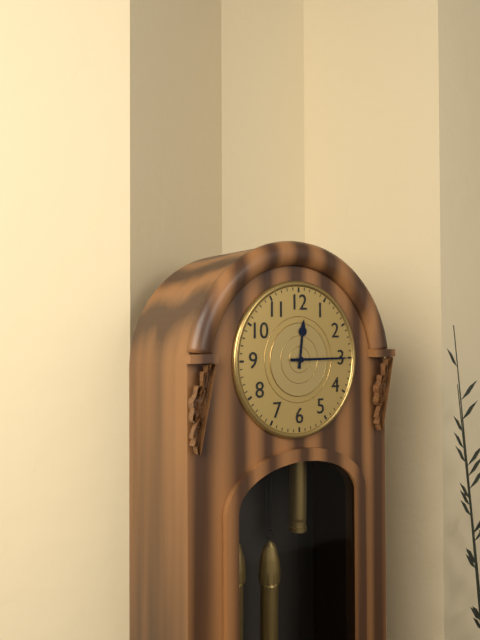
12:15
